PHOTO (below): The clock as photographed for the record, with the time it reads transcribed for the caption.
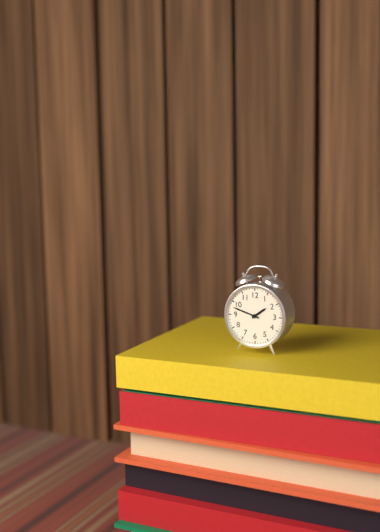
1:48
